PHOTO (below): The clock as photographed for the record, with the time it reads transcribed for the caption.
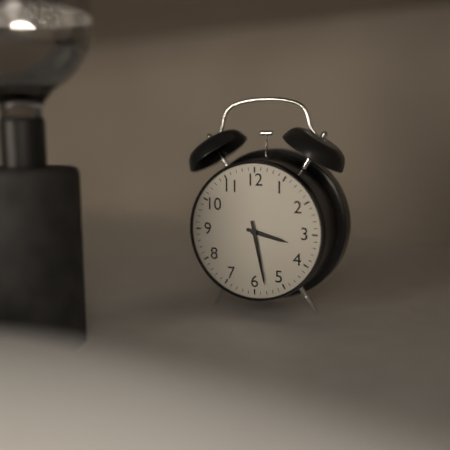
3:28
